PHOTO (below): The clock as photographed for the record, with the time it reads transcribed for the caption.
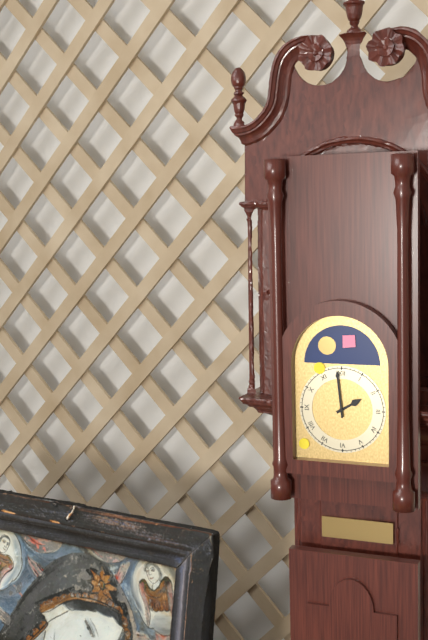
1:59
